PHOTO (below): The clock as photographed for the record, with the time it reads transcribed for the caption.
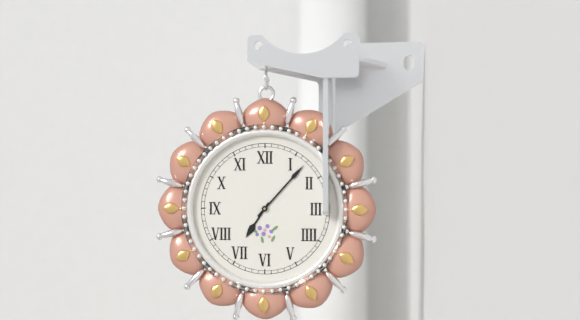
7:07
